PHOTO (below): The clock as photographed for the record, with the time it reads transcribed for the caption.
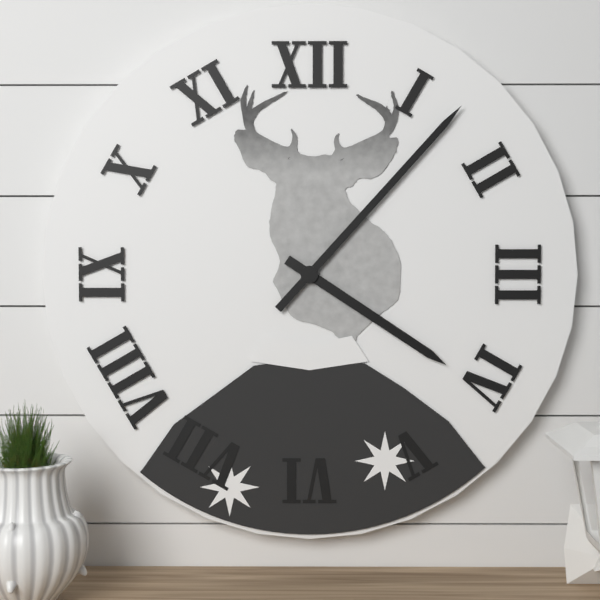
4:07
